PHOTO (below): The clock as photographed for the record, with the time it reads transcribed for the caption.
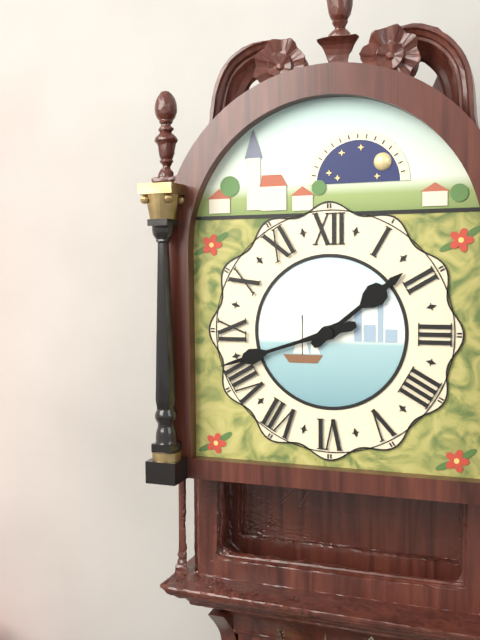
1:42
